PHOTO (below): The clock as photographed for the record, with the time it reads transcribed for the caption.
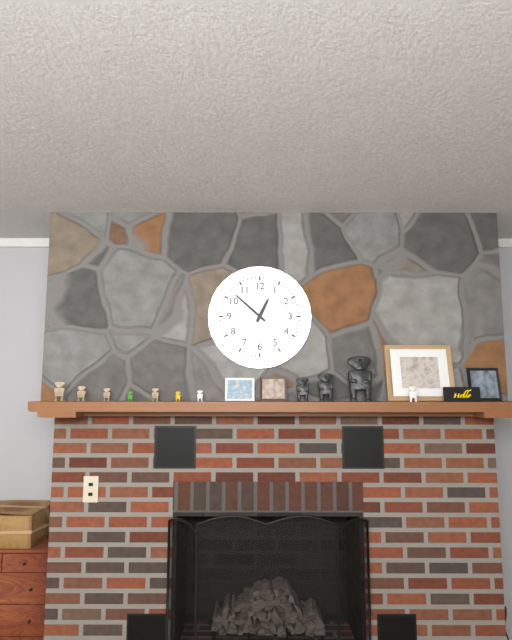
12:52
